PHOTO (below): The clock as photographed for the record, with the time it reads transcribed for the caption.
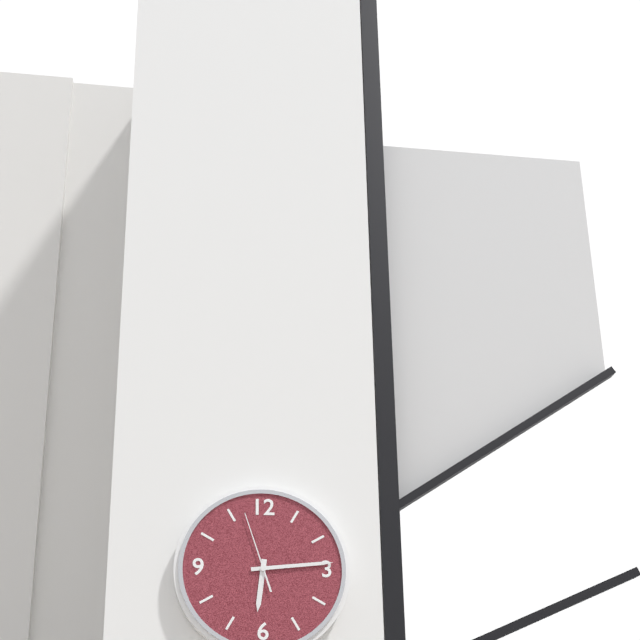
6:14:57
